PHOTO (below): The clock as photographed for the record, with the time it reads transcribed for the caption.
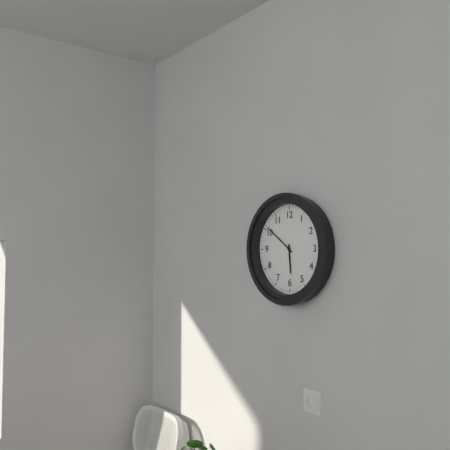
5:51
